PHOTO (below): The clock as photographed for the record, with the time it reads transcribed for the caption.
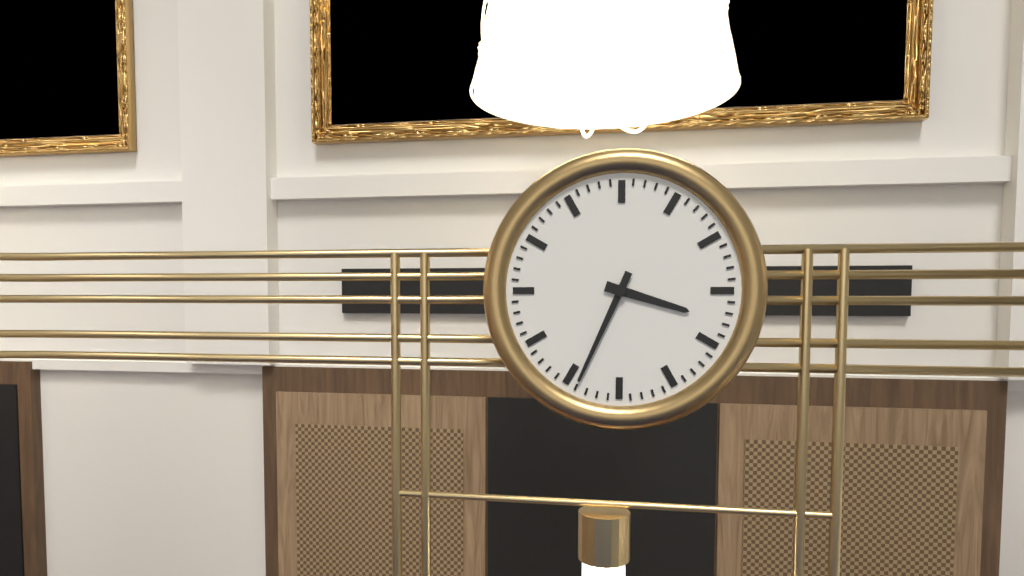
3:34
